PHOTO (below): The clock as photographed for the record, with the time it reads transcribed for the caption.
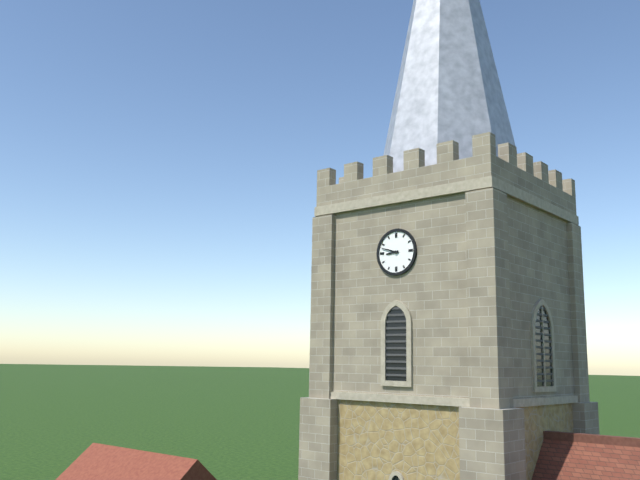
8:48
